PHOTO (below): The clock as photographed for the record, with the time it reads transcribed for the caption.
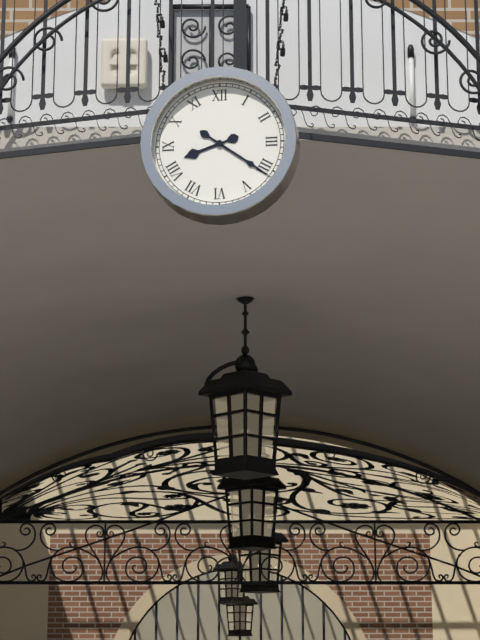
8:21
